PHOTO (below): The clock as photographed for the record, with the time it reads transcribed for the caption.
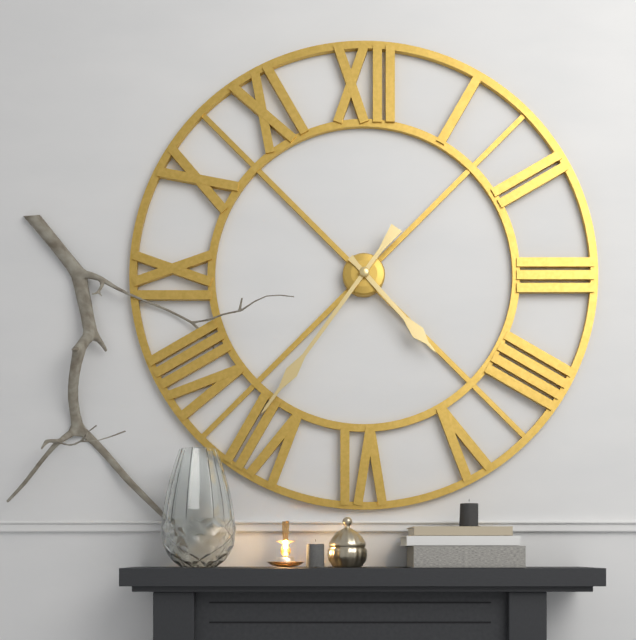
4:36
